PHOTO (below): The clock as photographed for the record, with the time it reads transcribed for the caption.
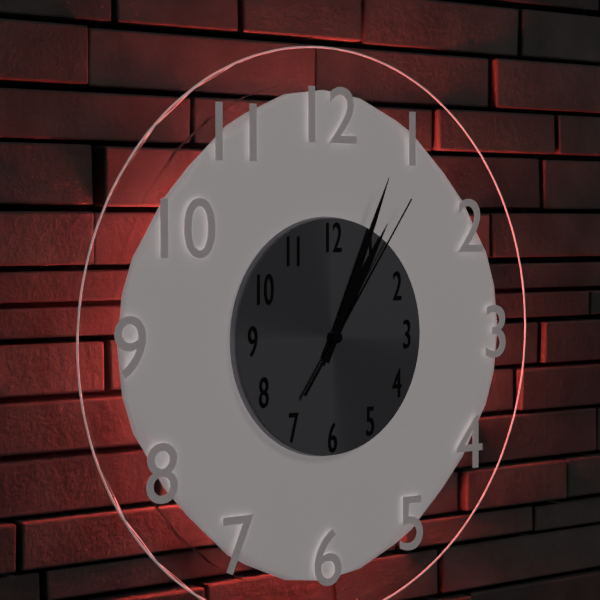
1:04:06
